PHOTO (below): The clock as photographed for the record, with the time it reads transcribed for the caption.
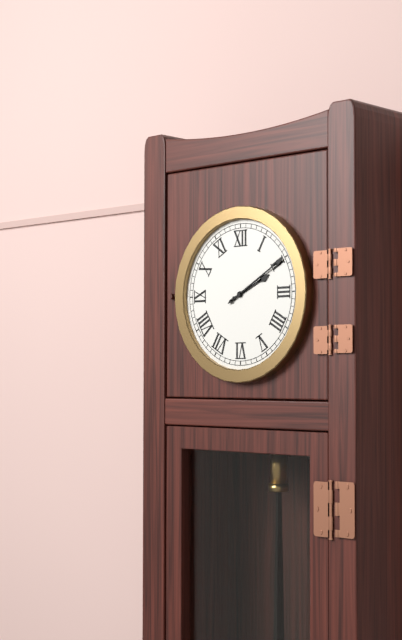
2:10
